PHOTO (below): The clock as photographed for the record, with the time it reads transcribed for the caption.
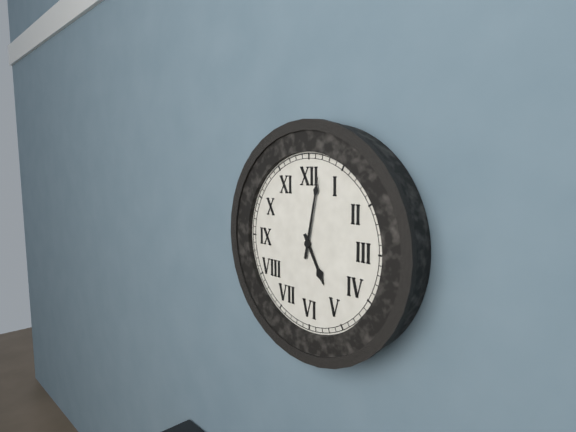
5:02
